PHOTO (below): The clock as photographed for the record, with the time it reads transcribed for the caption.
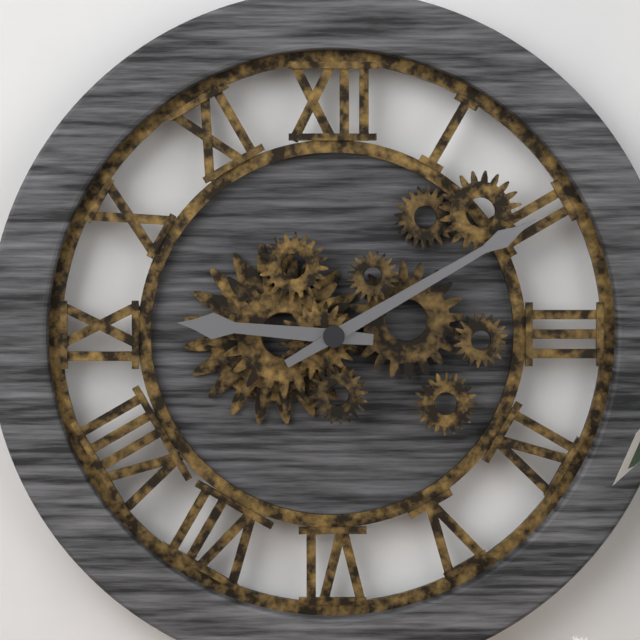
9:10
